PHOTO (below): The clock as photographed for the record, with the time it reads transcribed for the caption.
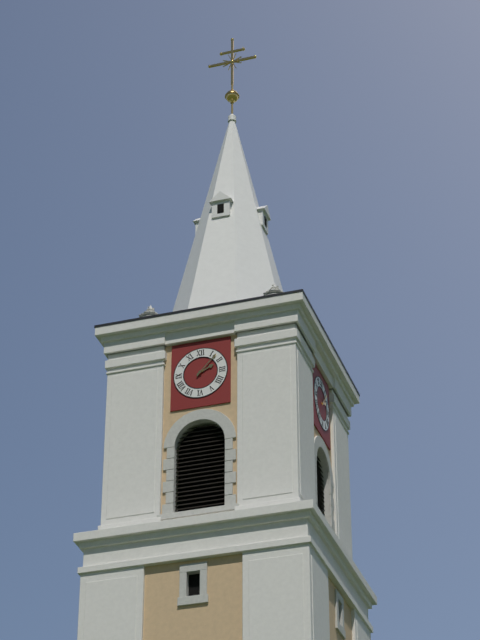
2:07
